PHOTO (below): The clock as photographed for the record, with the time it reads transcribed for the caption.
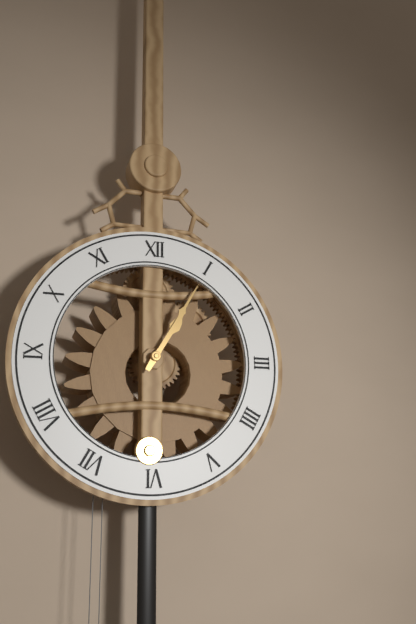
1:05
